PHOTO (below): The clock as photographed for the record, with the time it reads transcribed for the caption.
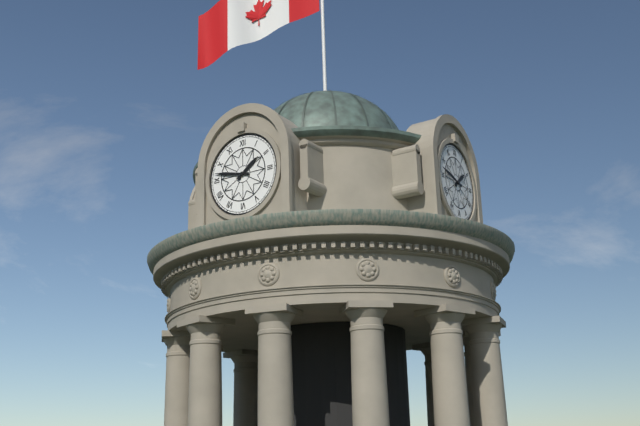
1:47
